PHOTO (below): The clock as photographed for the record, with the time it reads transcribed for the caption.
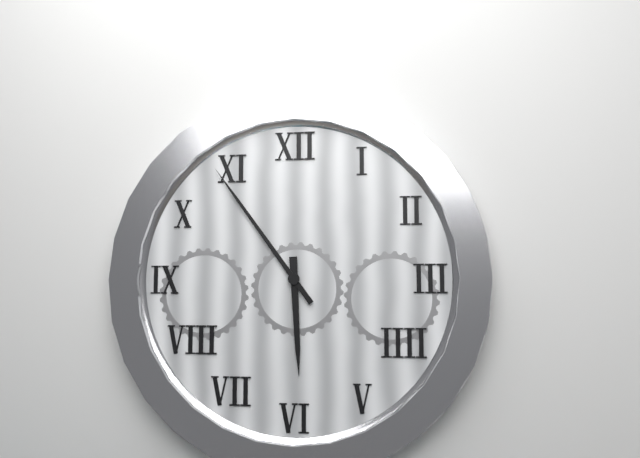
5:54
